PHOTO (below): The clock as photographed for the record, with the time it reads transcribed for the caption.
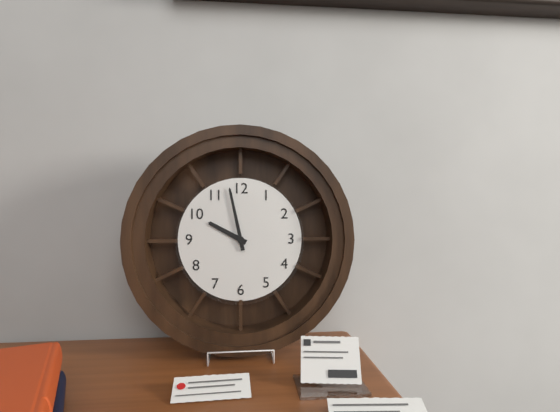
9:58
